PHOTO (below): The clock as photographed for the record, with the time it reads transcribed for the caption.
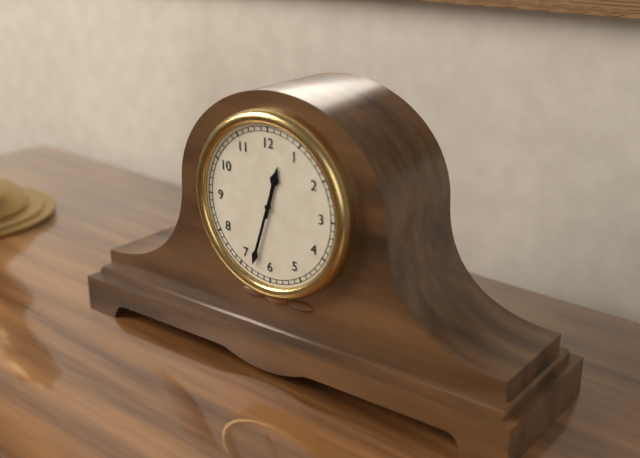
12:33
